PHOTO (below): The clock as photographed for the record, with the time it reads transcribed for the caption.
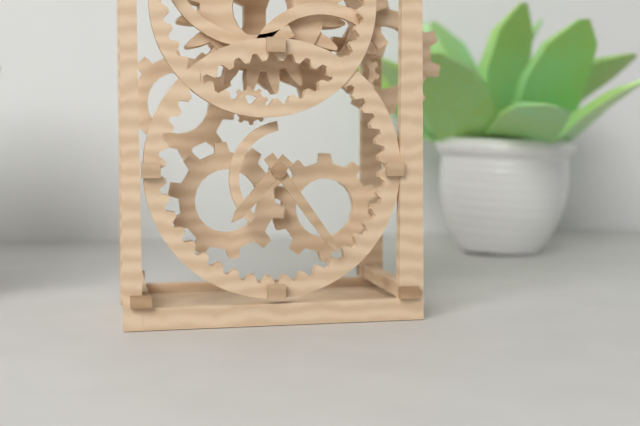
7:24
